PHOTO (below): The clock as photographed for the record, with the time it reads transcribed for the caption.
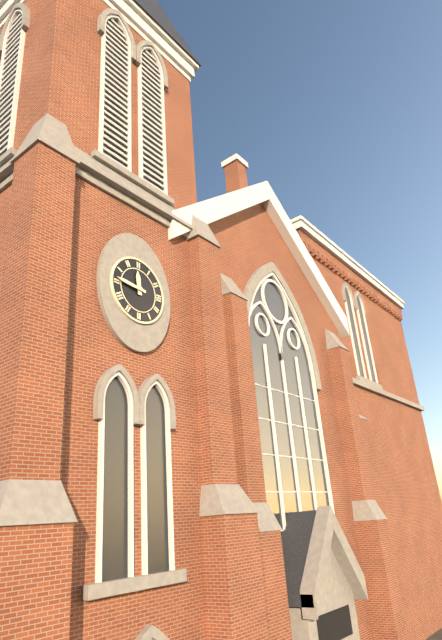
11:46
